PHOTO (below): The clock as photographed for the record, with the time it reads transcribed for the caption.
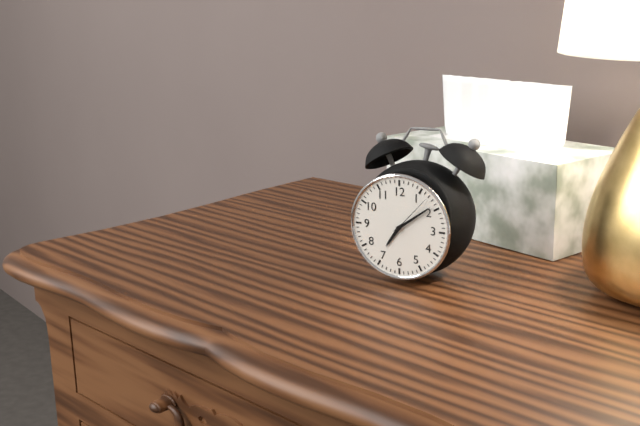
7:09:07
